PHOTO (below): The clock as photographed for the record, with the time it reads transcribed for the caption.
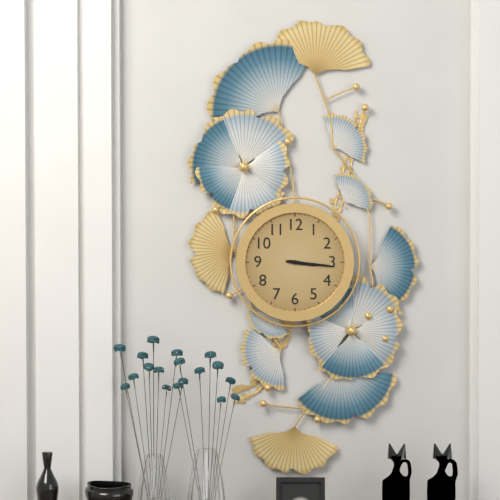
3:16
